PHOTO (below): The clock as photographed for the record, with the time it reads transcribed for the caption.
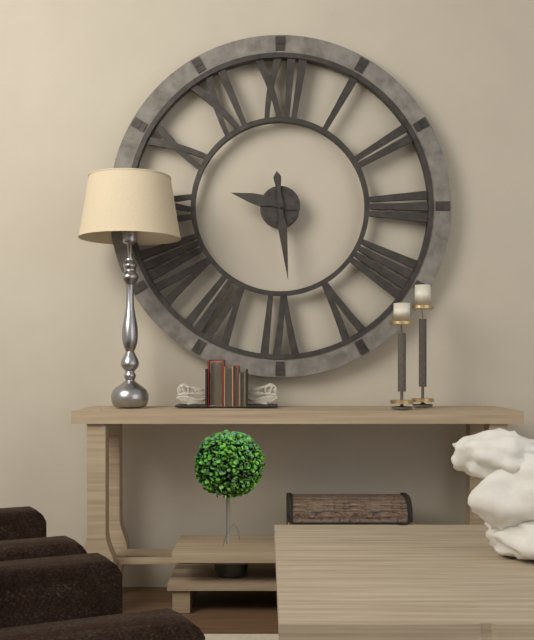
9:29
